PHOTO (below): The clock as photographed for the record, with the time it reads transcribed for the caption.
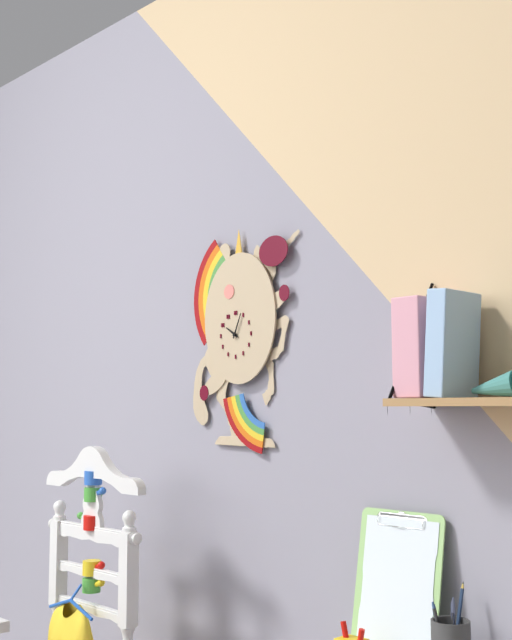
10:04
